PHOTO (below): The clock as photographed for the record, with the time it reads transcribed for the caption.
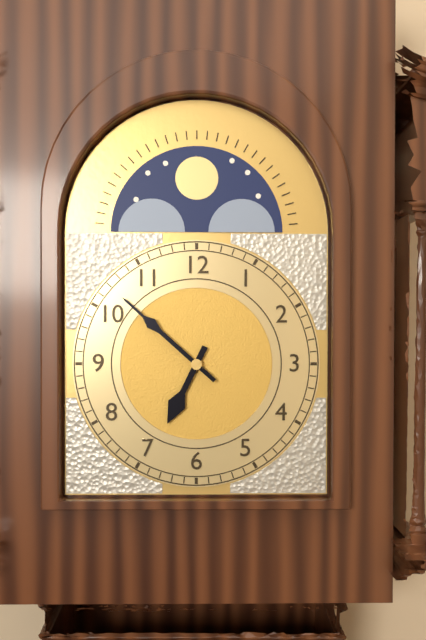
6:52
